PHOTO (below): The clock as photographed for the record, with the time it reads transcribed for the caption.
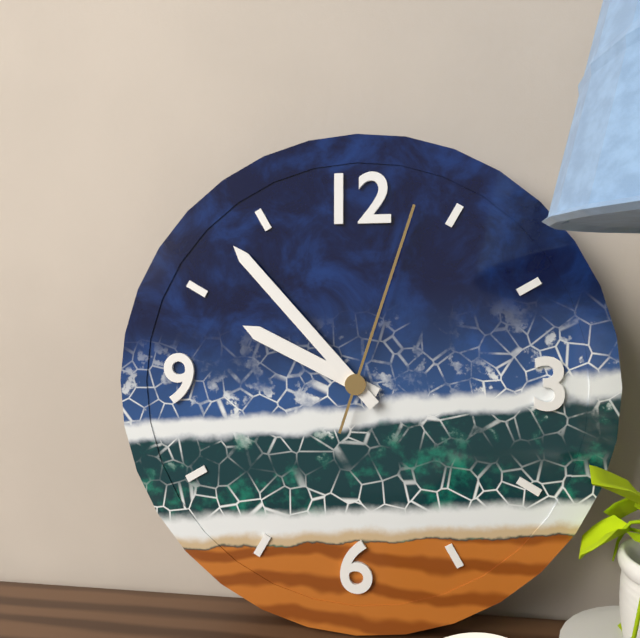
9:53:03
